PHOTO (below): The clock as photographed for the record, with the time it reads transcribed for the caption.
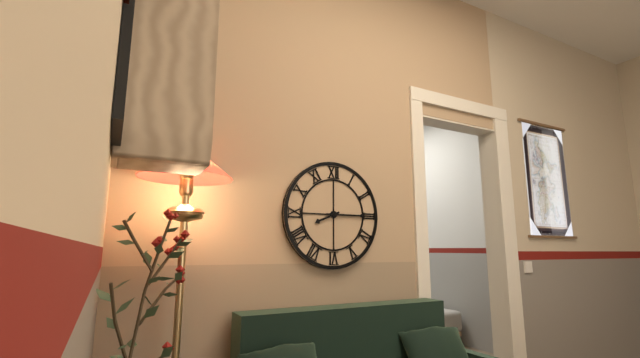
8:15
